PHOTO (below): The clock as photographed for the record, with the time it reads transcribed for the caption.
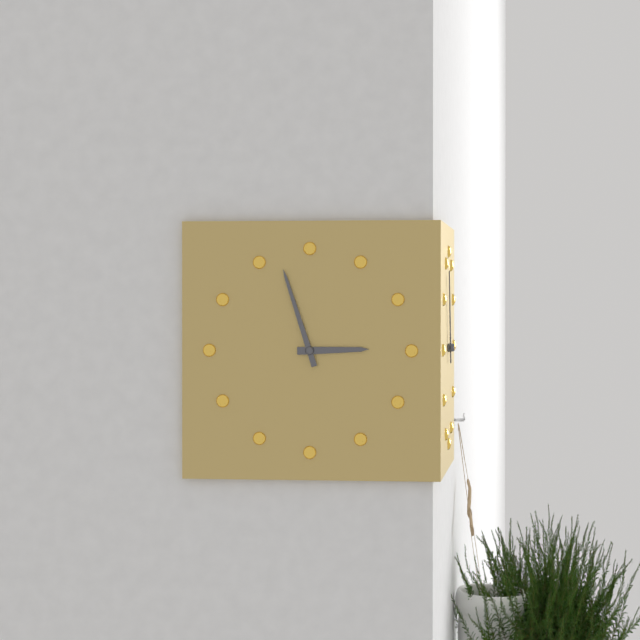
2:57
